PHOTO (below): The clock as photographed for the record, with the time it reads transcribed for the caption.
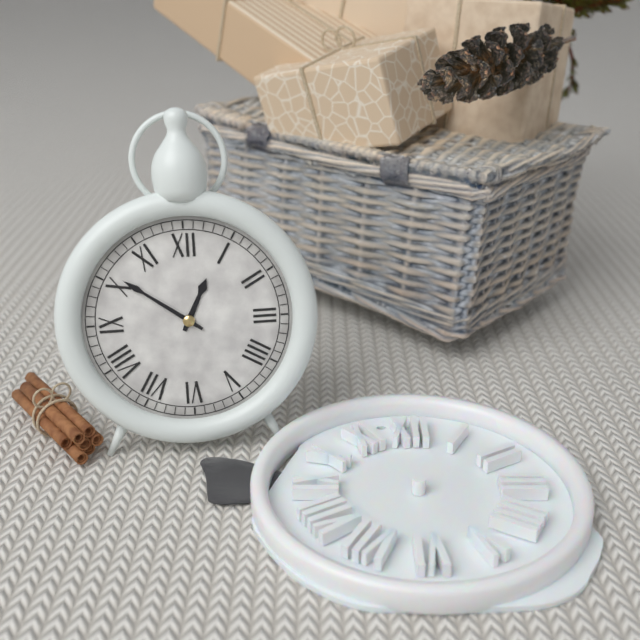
12:51
